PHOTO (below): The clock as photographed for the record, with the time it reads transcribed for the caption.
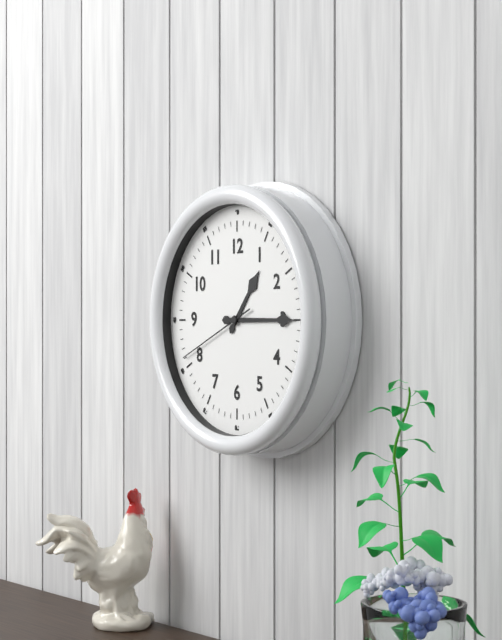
1:15:41
